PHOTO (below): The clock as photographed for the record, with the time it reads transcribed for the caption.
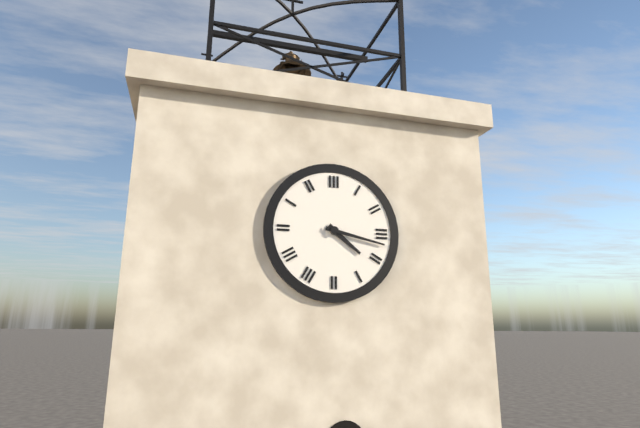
4:17
